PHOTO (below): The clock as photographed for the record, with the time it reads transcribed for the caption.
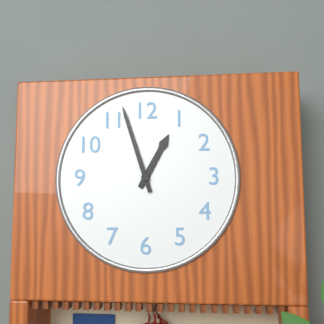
12:57
